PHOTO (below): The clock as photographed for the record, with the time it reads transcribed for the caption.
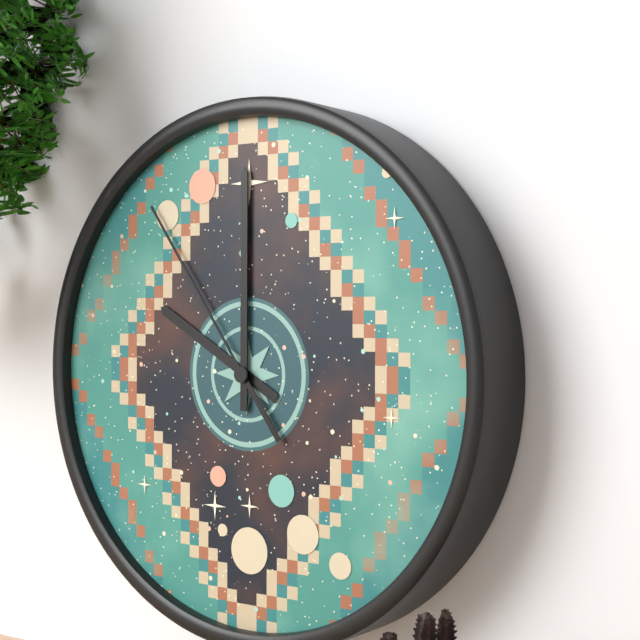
10:00:54
